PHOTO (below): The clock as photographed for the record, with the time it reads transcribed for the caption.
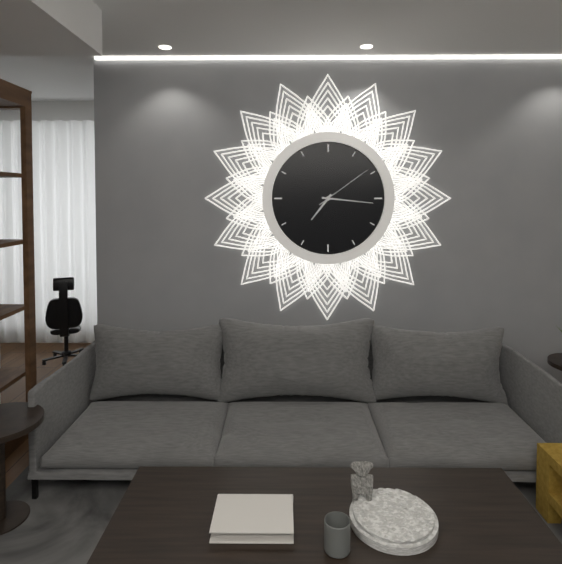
7:16:09
